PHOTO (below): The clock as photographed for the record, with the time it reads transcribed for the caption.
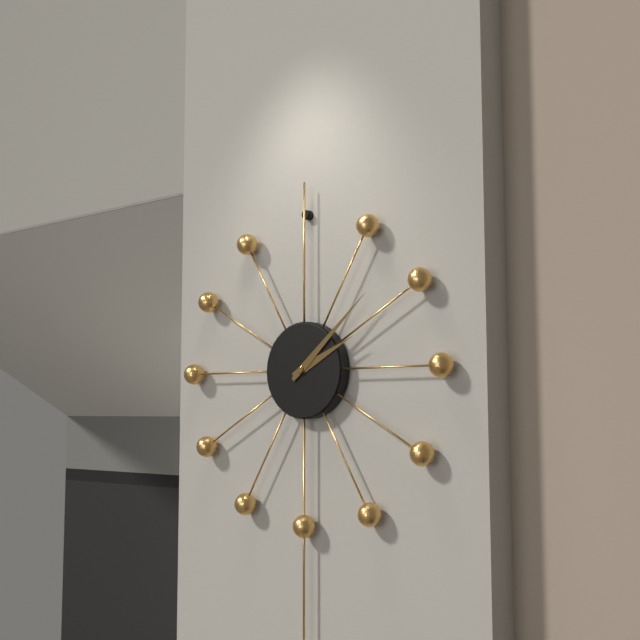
2:08
